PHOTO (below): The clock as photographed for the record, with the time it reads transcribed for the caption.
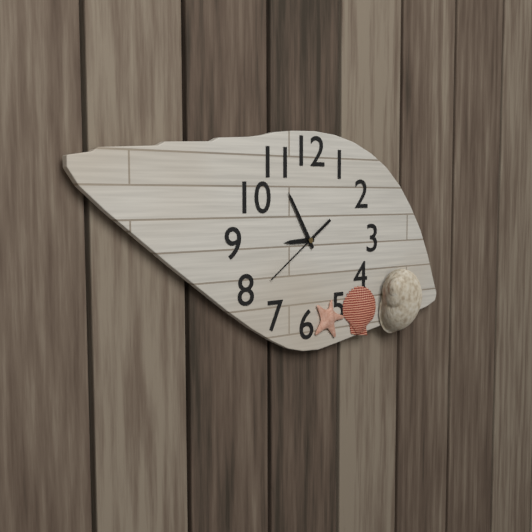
8:55:39
